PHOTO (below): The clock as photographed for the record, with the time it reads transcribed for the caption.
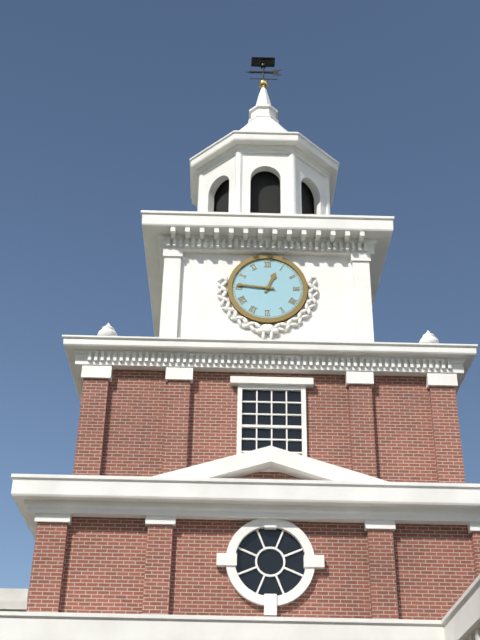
12:46
